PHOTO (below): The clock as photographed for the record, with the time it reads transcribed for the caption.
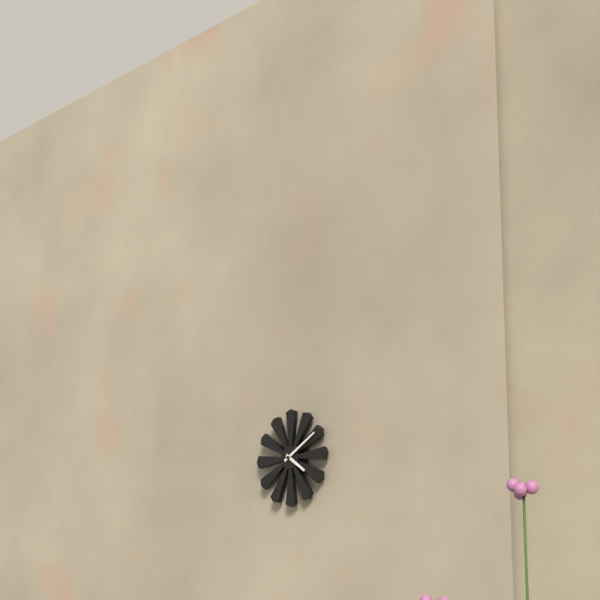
4:10
